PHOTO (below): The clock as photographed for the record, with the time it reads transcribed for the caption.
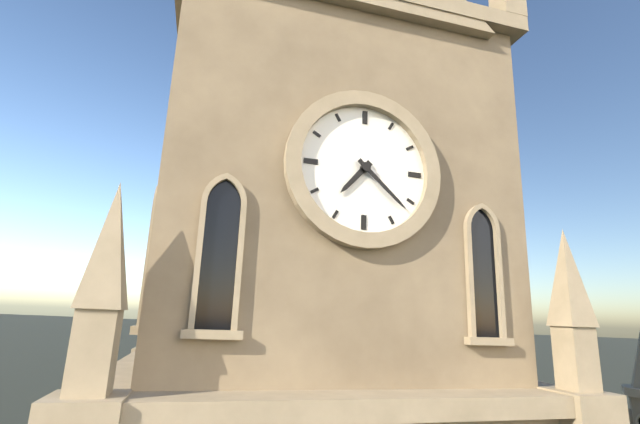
7:22
